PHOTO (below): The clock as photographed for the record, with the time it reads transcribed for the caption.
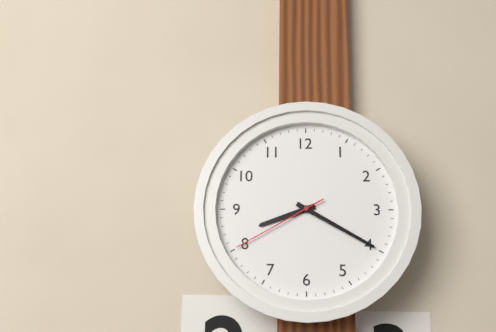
8:20:40
